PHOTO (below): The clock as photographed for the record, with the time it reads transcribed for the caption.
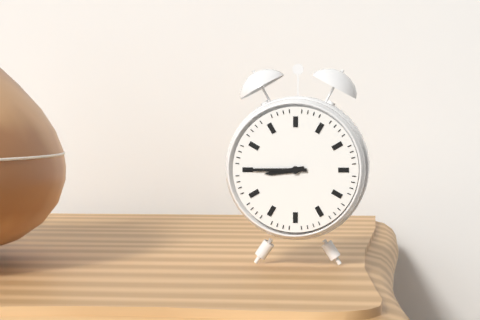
8:45
